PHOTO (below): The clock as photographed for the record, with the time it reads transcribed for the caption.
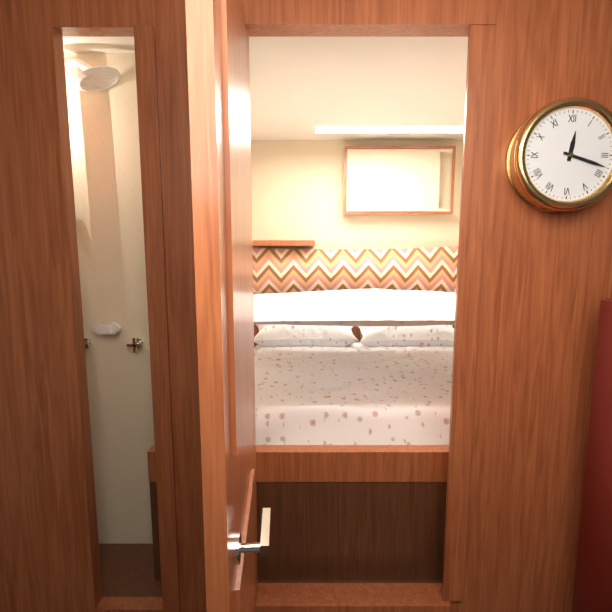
12:18
